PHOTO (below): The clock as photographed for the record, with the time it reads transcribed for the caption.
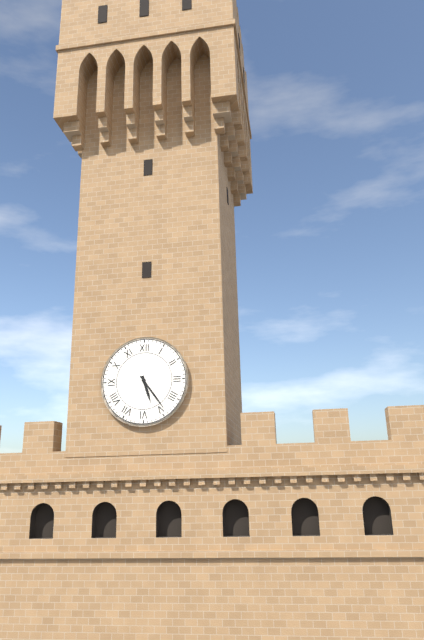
5:24
